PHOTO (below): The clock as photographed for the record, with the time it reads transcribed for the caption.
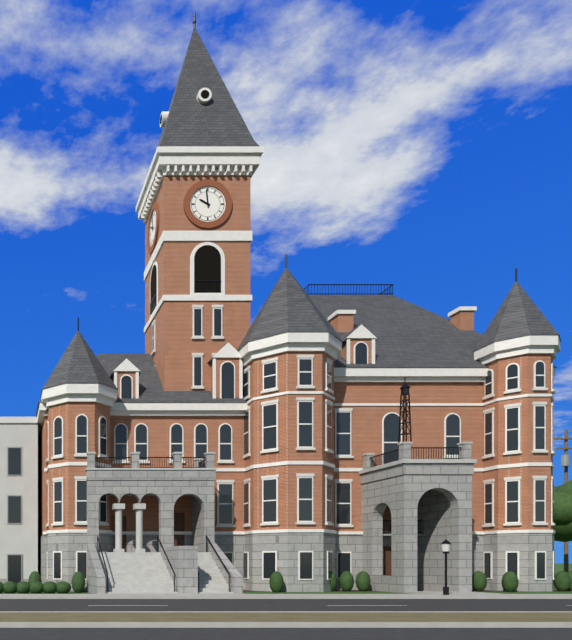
9:59
